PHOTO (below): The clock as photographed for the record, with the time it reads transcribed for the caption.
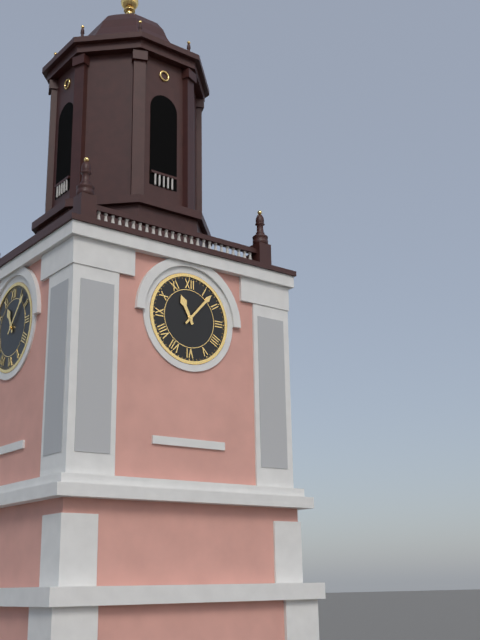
11:07
